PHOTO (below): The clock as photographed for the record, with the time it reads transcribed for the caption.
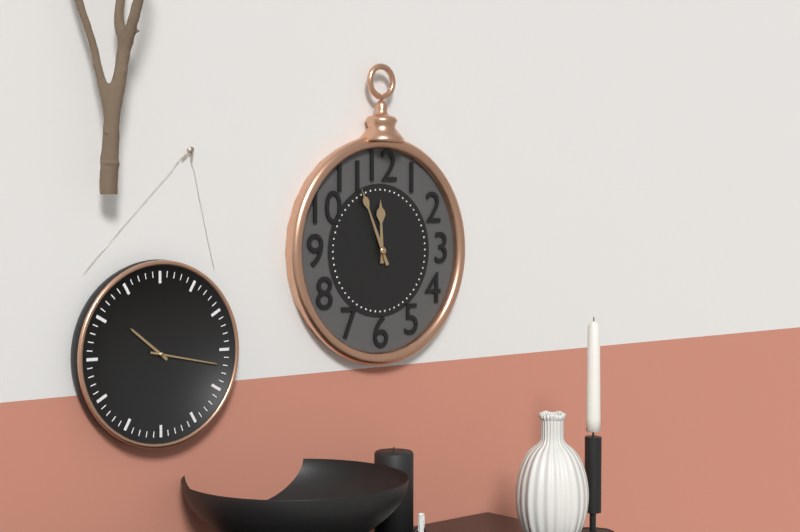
11:56
